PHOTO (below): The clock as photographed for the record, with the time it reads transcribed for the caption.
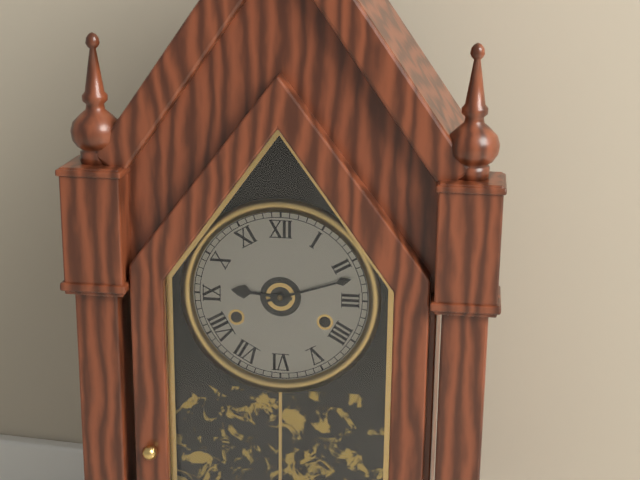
9:12
